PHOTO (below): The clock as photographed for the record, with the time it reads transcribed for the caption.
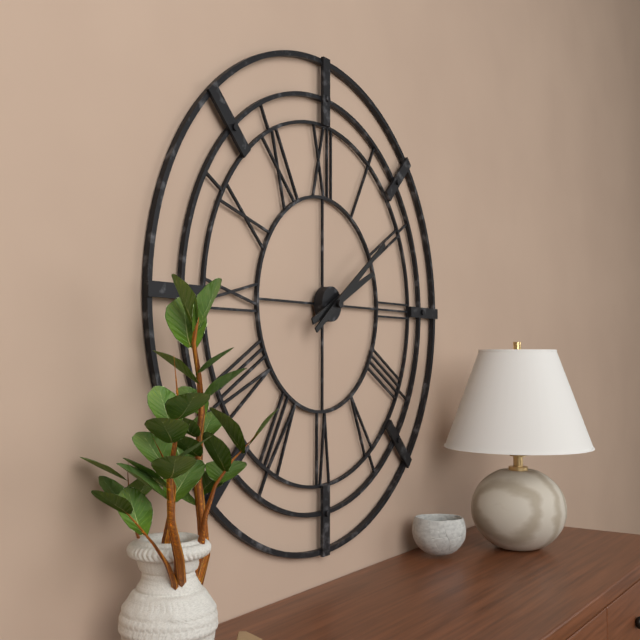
2:09
